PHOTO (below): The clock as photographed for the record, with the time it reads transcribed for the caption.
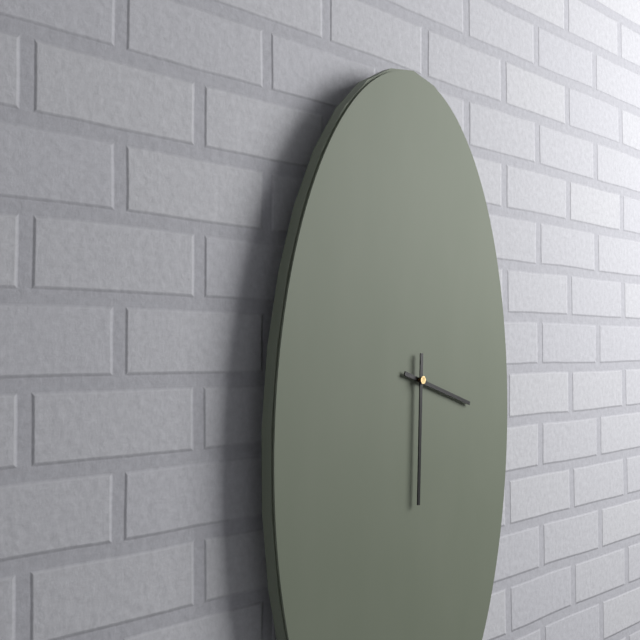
3:30
